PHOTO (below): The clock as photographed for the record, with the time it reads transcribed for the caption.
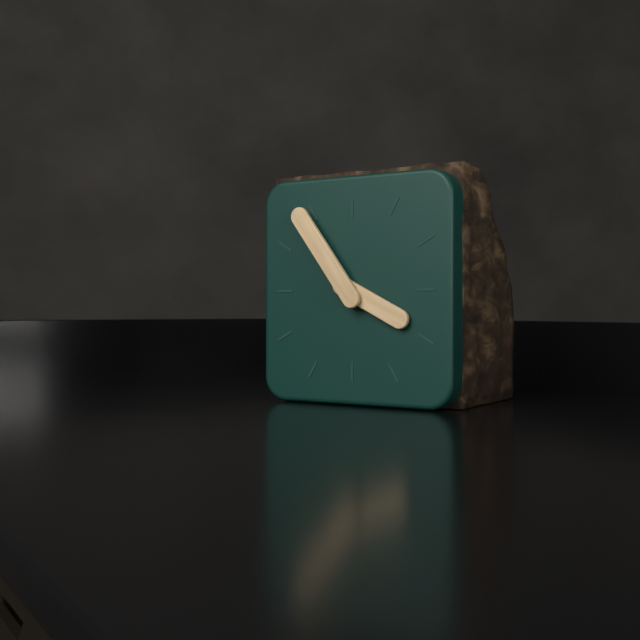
3:54
